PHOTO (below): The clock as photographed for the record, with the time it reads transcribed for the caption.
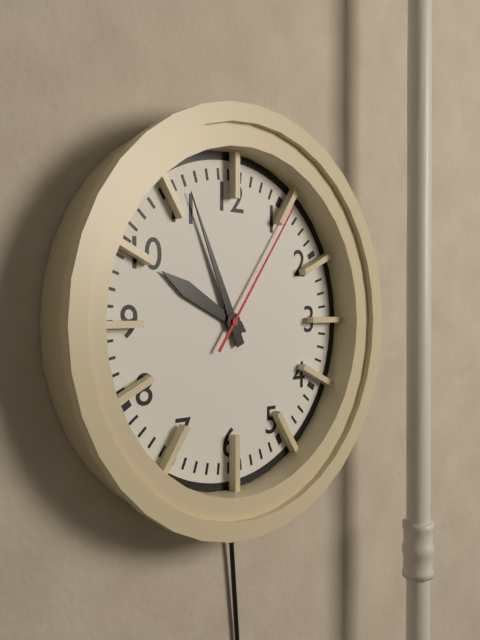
9:56:06
